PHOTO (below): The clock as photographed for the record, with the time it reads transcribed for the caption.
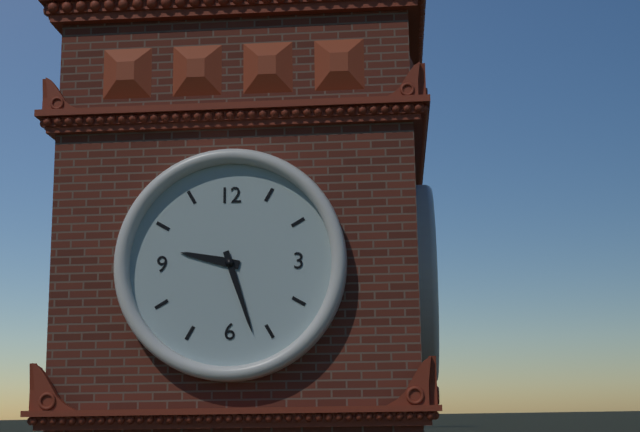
9:27
